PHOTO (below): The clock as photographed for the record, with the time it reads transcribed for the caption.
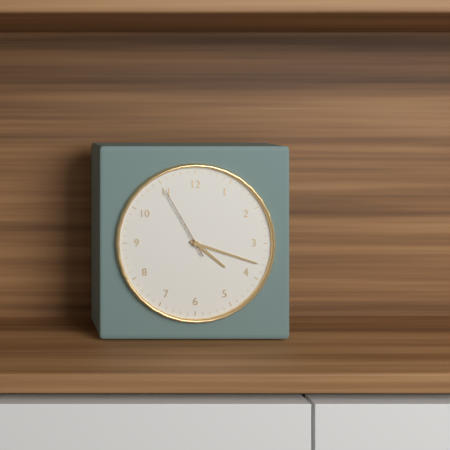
4:18:55
